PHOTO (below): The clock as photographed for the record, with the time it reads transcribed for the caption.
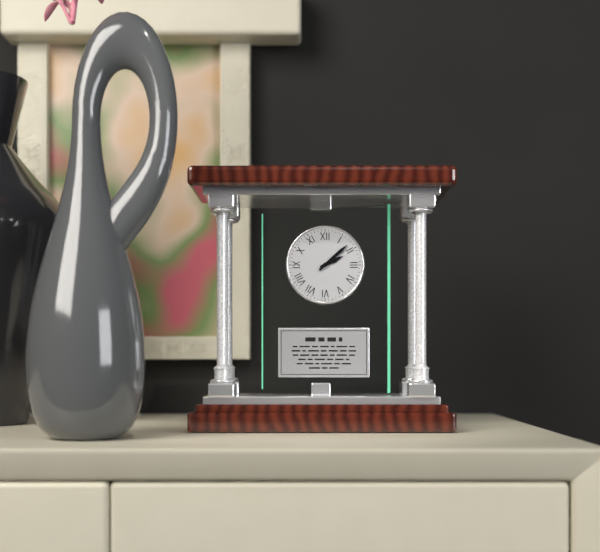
2:08
